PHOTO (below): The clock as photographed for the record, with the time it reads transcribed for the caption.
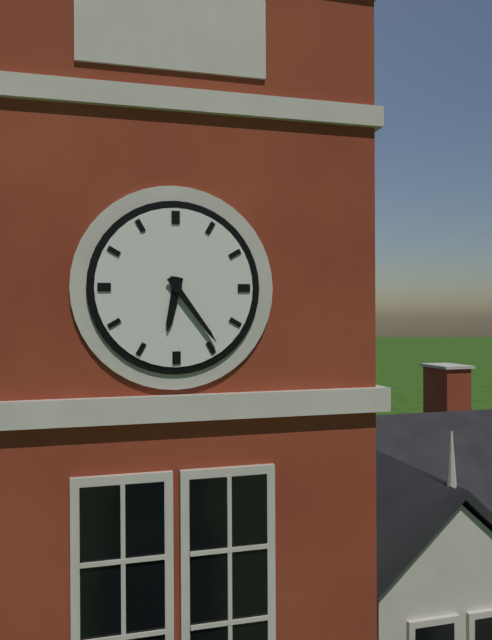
6:24
